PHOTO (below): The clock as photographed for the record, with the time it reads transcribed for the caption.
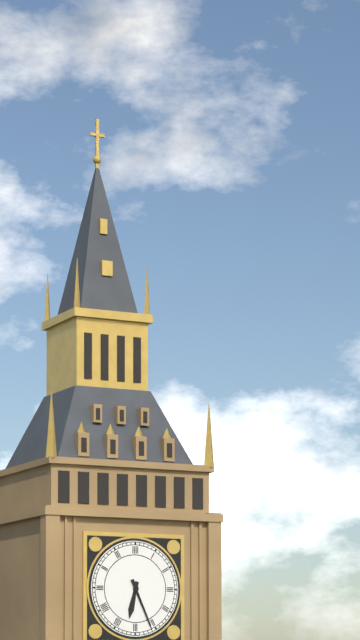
6:26
